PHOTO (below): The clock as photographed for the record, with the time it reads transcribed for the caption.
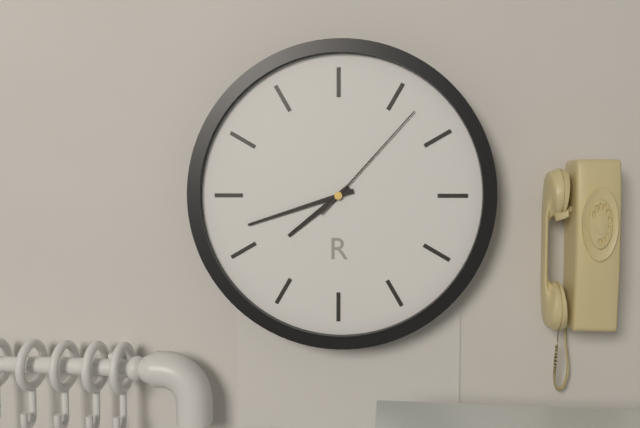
7:42:07
